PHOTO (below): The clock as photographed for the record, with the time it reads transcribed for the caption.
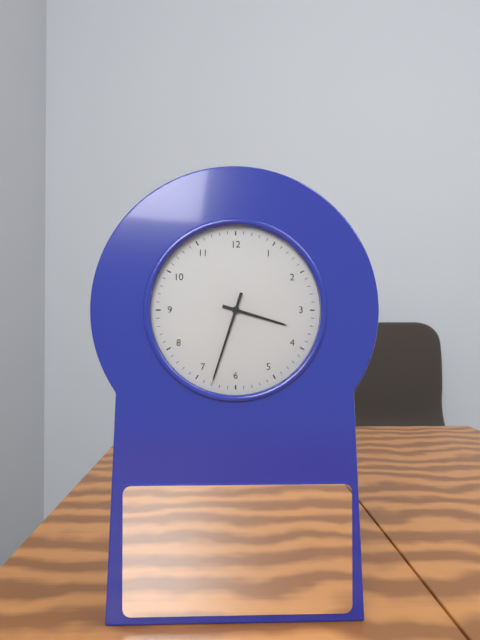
3:33
